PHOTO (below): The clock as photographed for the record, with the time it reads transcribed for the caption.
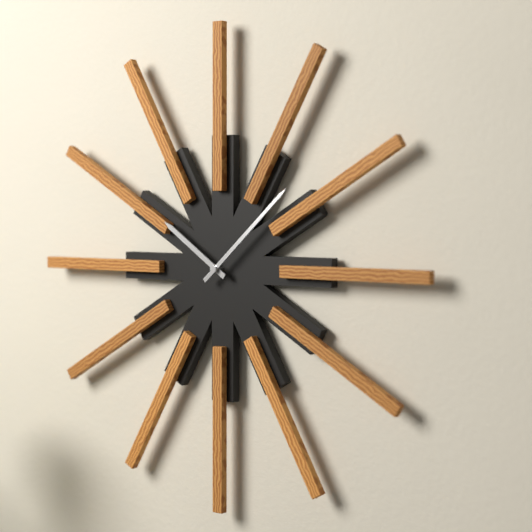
10:08
